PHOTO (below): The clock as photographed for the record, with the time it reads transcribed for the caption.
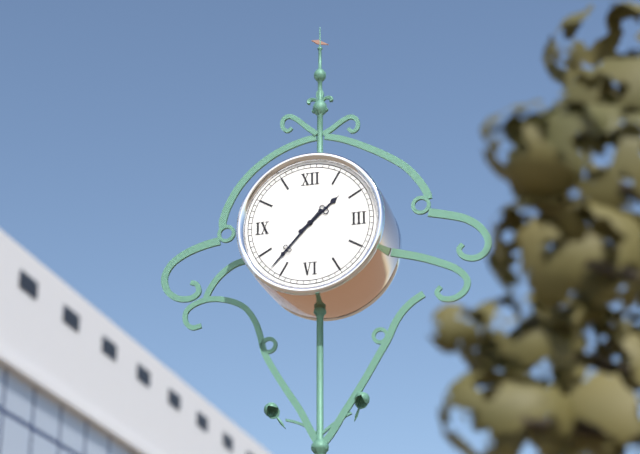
1:37
